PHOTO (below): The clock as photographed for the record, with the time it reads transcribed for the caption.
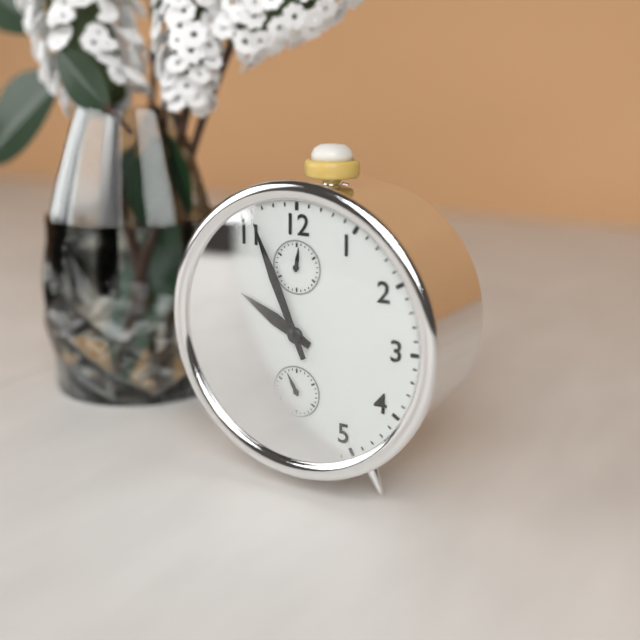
9:56
